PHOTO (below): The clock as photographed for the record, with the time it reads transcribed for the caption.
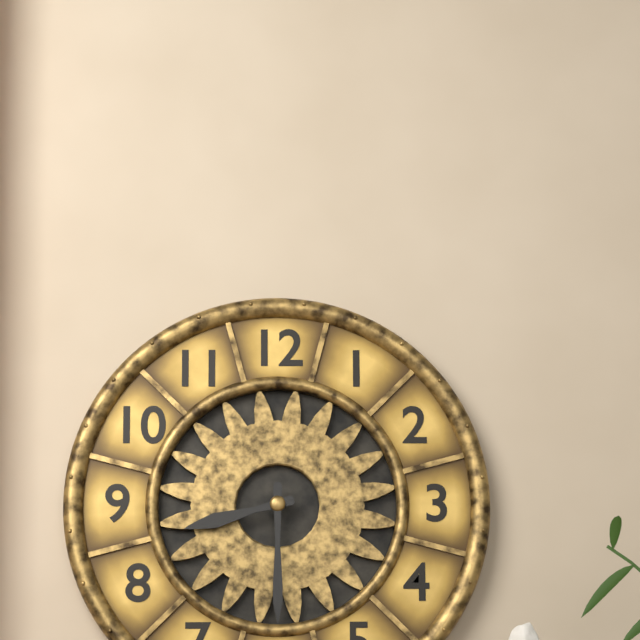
8:30
